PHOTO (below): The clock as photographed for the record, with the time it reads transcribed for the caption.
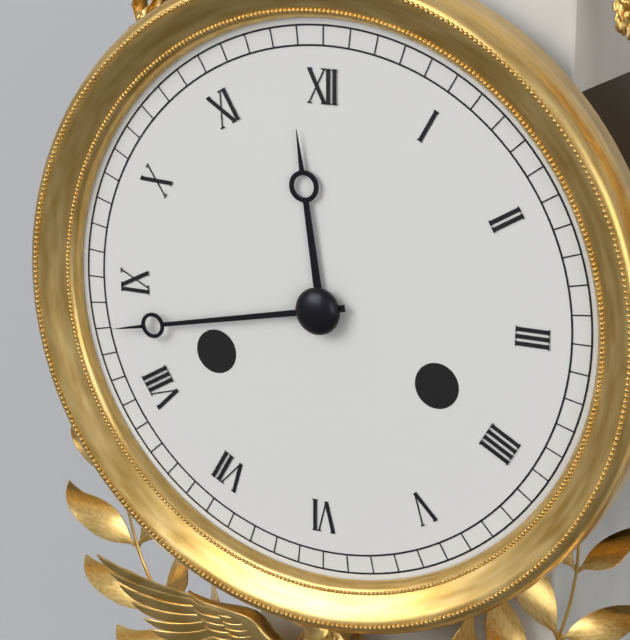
11:43
